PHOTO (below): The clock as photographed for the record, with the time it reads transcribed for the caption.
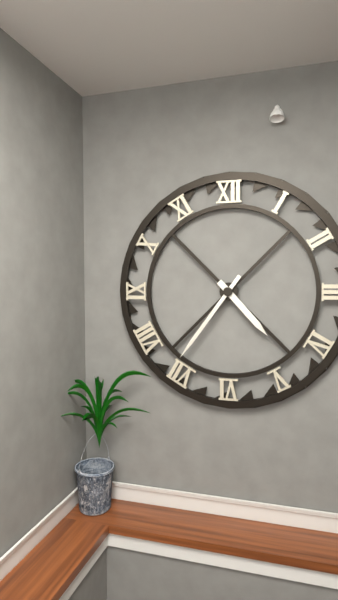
4:36
